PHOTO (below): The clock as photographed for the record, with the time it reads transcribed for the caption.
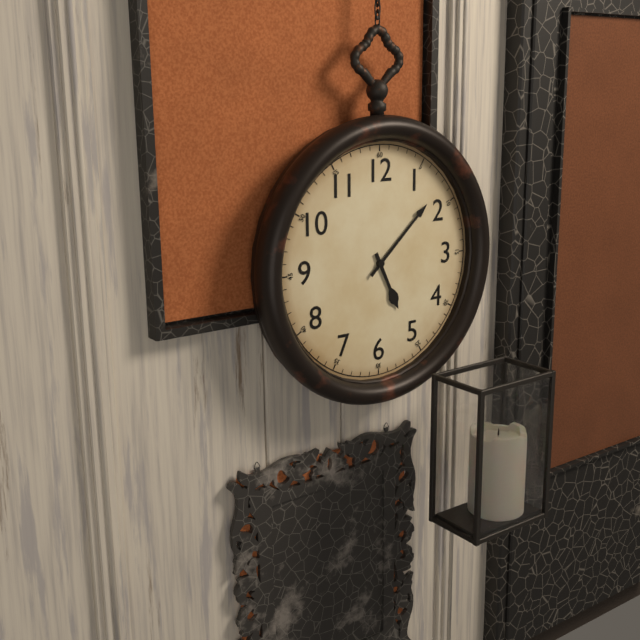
5:08
